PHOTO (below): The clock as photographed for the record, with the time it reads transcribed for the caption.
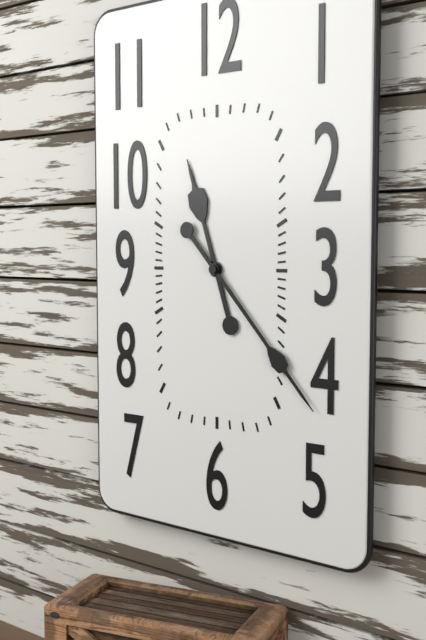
11:23
